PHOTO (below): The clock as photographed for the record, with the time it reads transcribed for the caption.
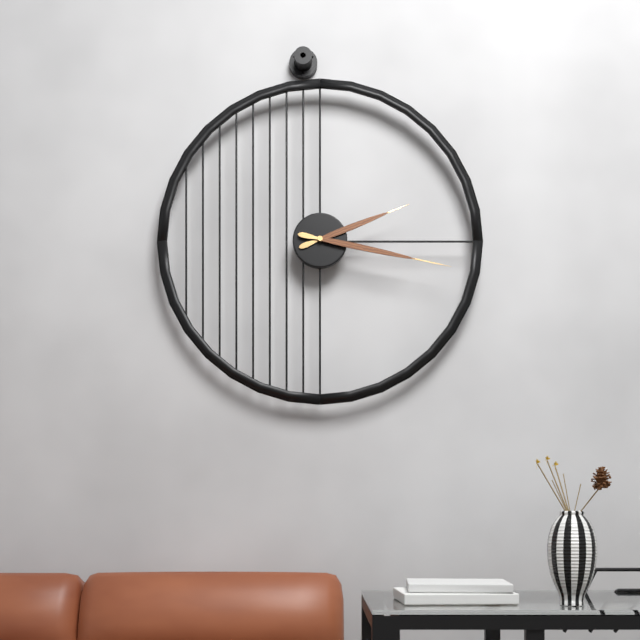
2:17
